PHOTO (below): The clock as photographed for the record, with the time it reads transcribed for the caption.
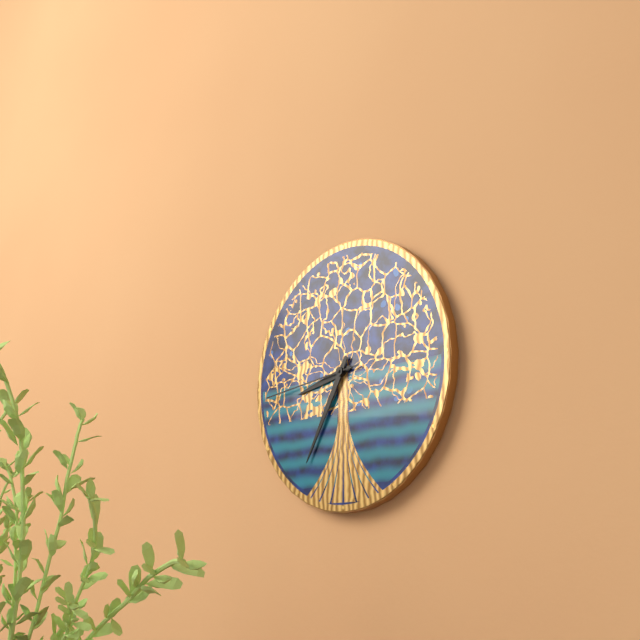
8:35:44
